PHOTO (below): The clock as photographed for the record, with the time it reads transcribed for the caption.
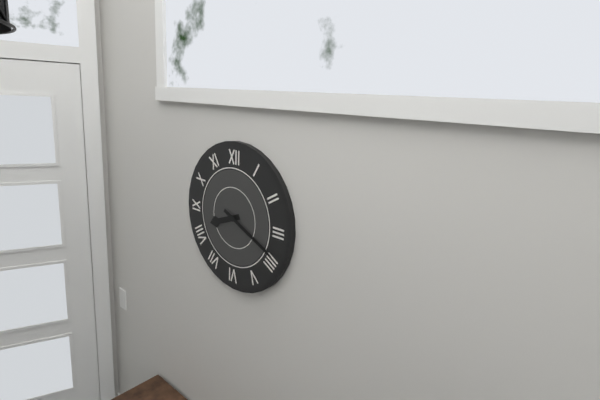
8:19
